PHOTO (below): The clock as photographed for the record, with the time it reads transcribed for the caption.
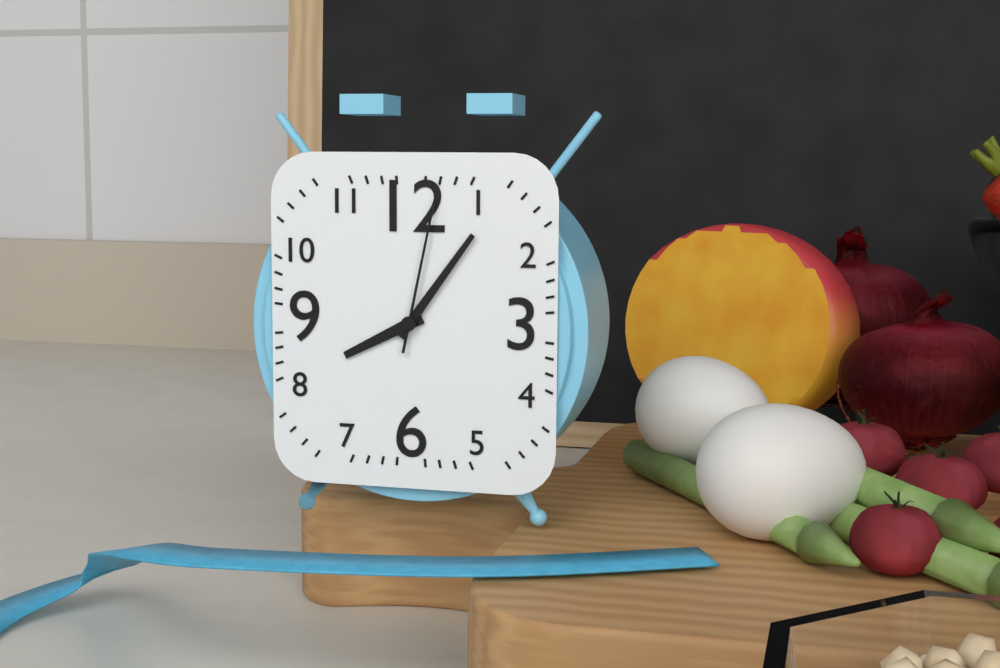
8:06:02
